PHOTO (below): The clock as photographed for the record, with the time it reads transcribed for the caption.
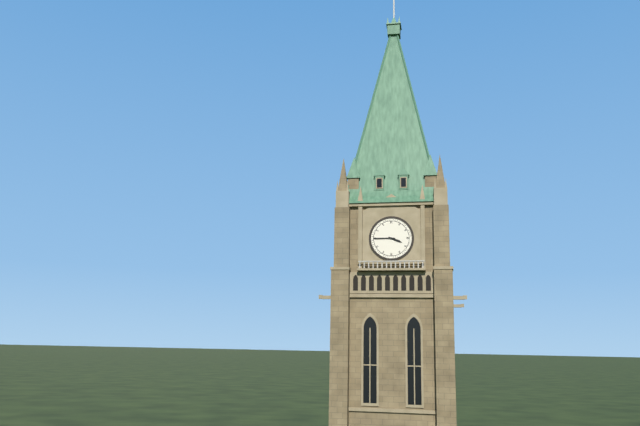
3:45
